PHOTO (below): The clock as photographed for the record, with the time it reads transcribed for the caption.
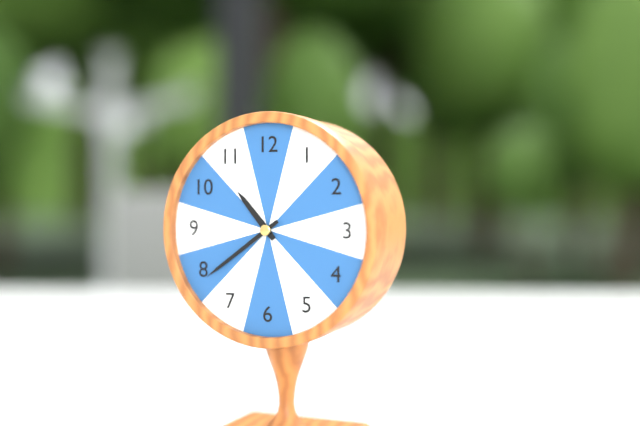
10:39
